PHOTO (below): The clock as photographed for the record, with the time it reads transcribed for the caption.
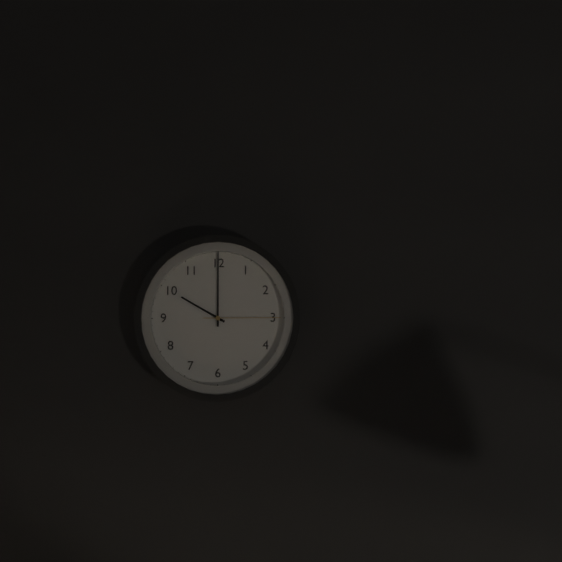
10:00:15
